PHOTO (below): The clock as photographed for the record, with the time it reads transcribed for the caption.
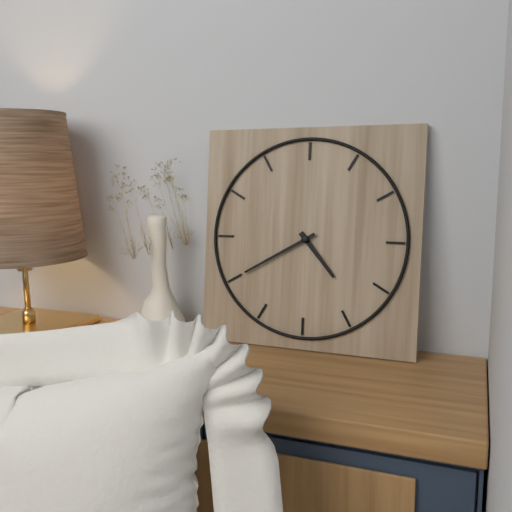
4:40
